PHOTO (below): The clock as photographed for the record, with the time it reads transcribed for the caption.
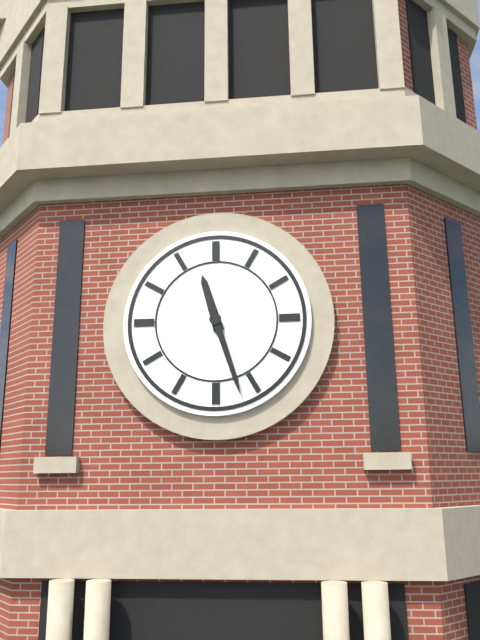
11:27
